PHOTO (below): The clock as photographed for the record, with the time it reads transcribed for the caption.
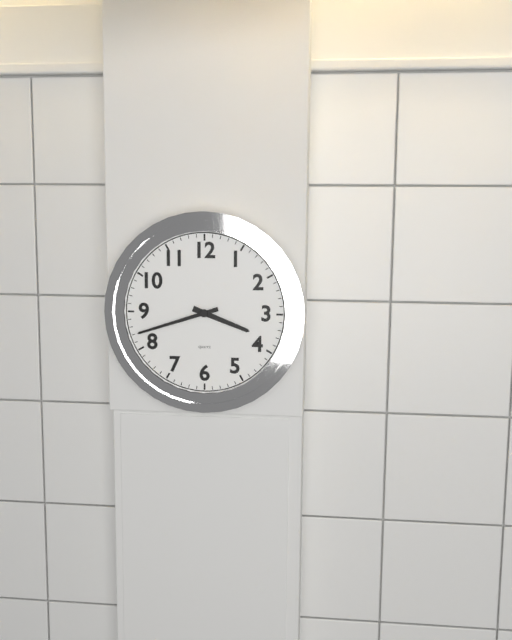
3:42
